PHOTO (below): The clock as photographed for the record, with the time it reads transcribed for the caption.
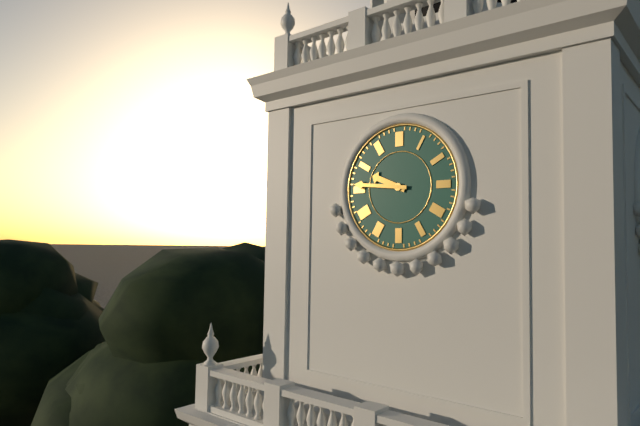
9:46
